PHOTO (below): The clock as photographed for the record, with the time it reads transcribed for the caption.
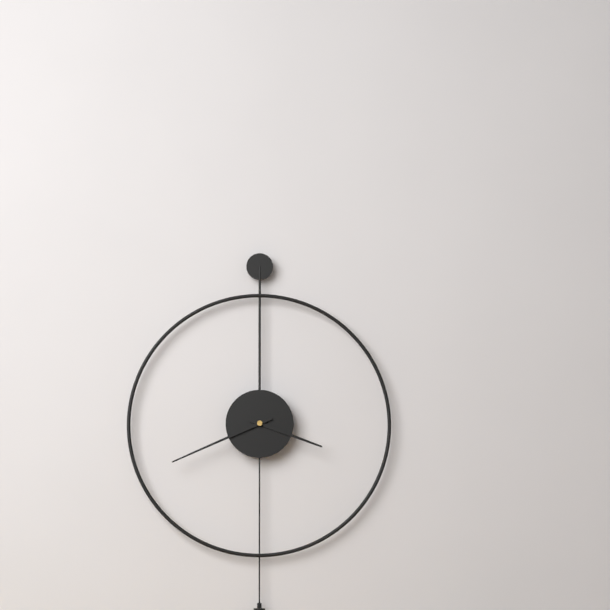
3:41
